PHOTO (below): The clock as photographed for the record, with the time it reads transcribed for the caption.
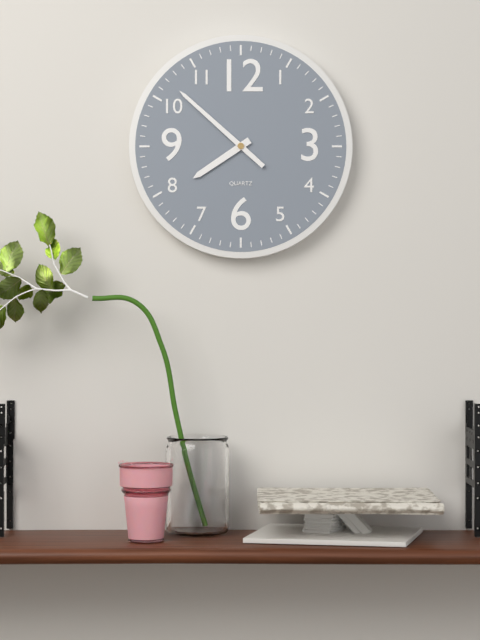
7:52
